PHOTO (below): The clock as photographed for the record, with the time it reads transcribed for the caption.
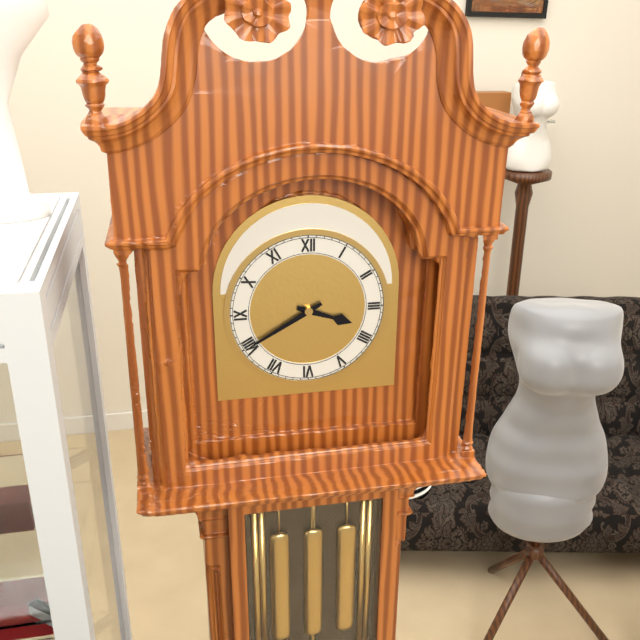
3:40
